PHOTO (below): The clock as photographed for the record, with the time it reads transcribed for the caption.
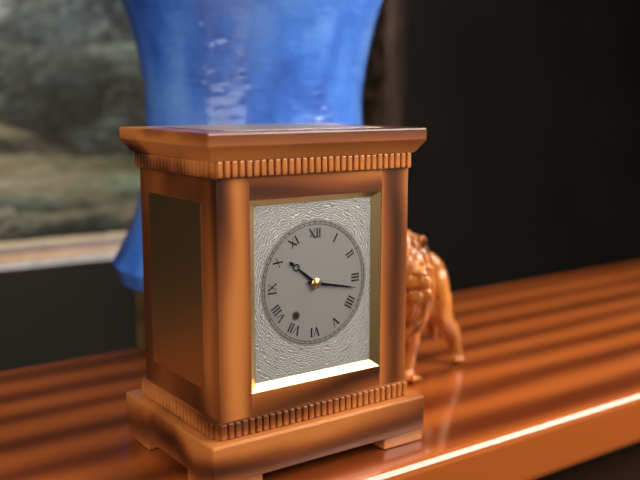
10:17
